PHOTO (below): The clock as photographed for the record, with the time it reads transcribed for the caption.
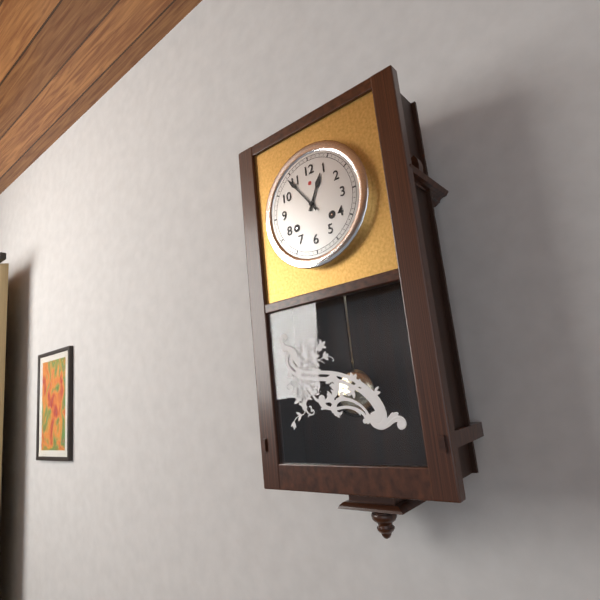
12:54
